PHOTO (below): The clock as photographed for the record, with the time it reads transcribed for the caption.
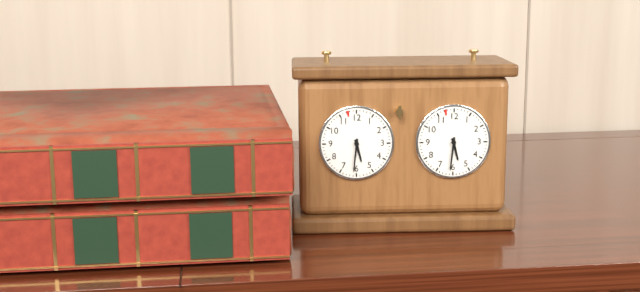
5:31
